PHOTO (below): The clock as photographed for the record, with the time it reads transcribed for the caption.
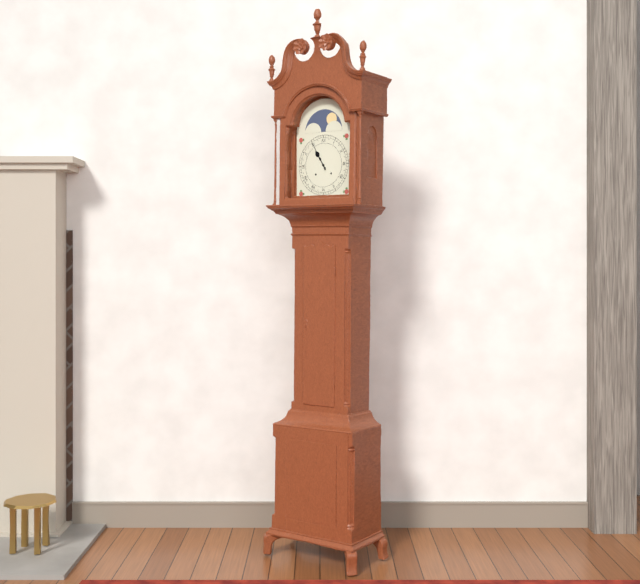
10:55
